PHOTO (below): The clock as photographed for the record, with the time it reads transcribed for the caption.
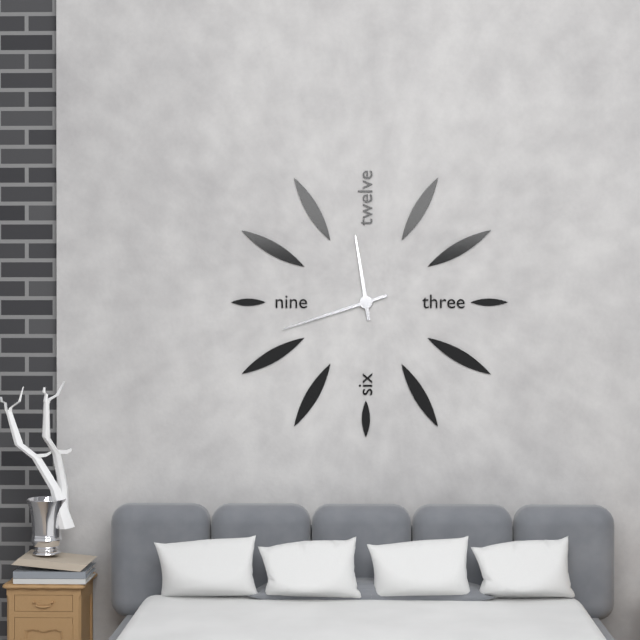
11:42
